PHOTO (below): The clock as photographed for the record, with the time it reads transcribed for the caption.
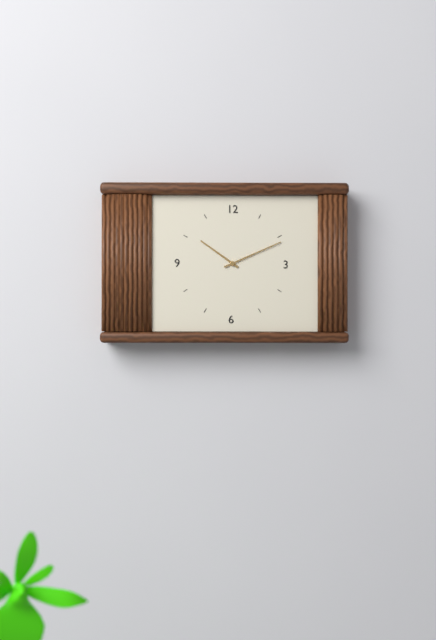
10:11
